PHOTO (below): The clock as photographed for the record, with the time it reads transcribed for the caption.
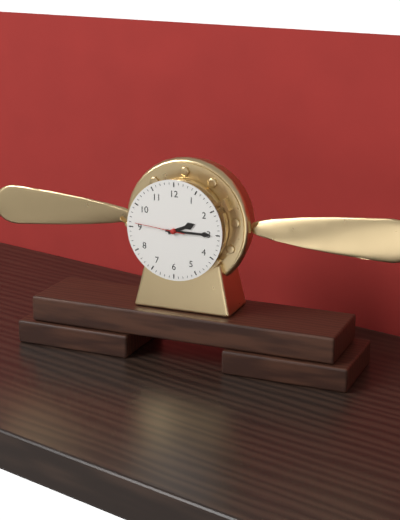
2:15
